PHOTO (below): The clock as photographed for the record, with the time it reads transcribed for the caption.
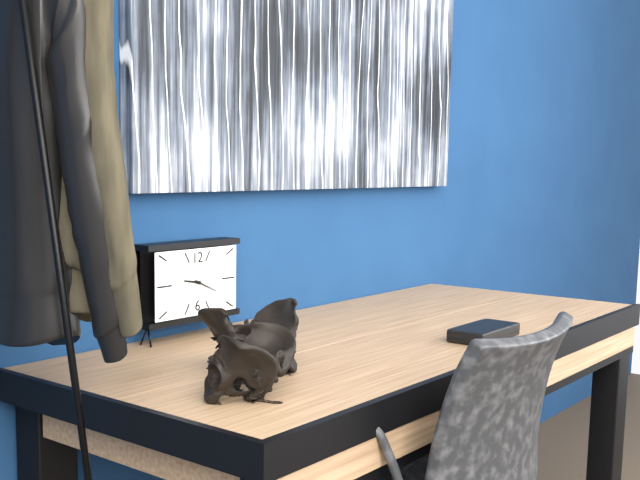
9:19
